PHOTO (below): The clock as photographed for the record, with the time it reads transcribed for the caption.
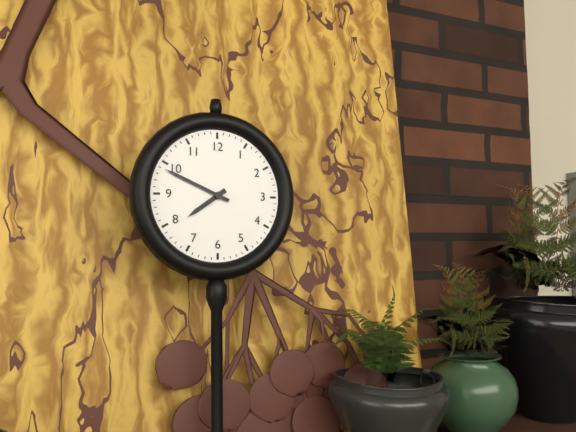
7:49
